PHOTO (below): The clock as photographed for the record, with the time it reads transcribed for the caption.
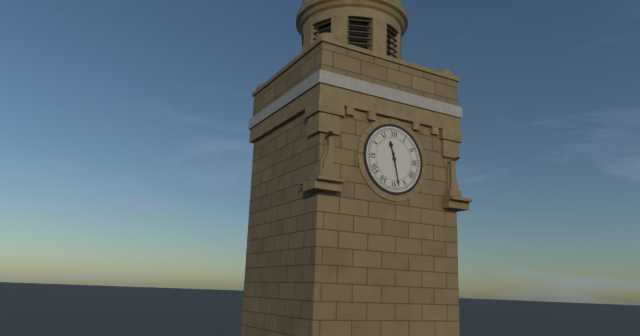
11:28
